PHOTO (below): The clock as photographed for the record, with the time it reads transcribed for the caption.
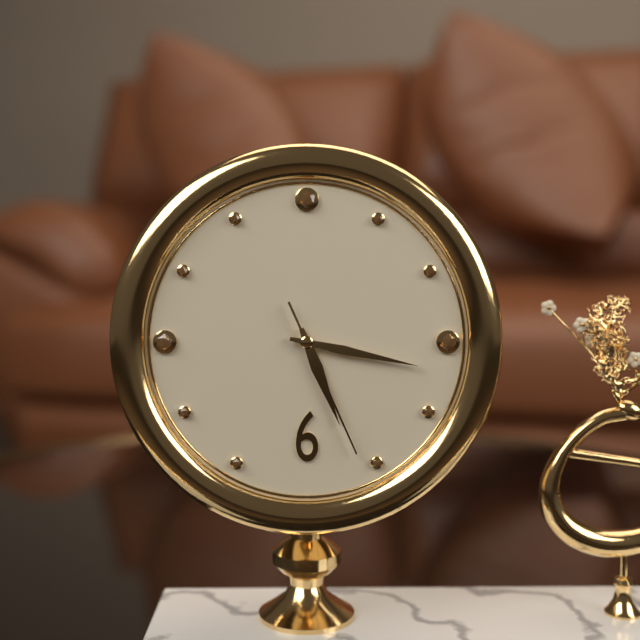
5:17:26
